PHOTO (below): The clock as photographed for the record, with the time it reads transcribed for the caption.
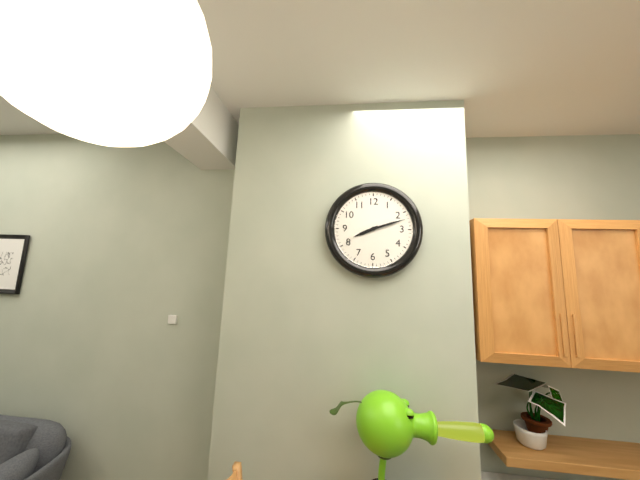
8:12
